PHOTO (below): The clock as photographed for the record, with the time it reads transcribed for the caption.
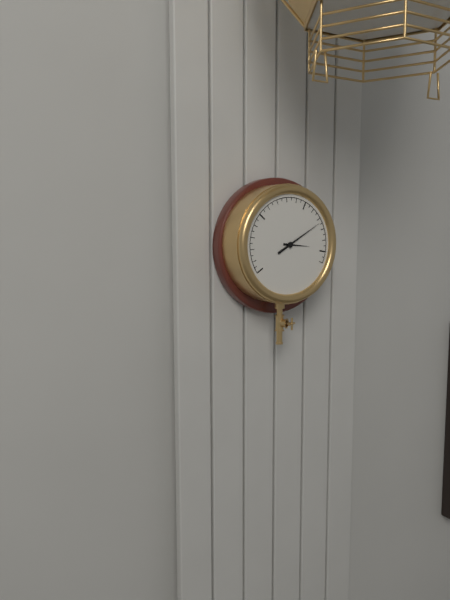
3:10
